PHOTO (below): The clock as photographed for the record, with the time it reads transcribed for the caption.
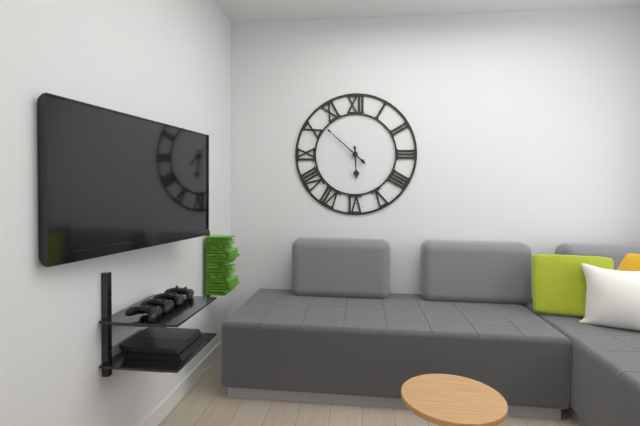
5:52
